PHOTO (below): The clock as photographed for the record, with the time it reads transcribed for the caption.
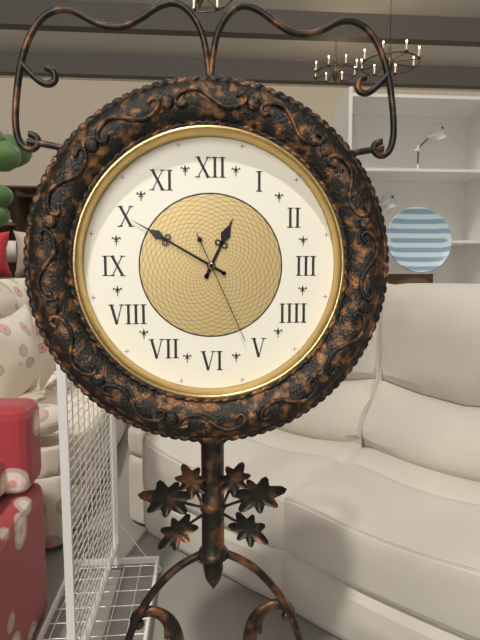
12:50:26
